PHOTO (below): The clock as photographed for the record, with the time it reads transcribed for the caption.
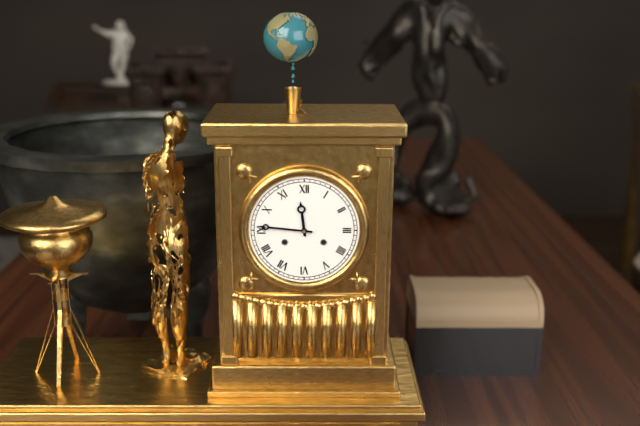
11:46
